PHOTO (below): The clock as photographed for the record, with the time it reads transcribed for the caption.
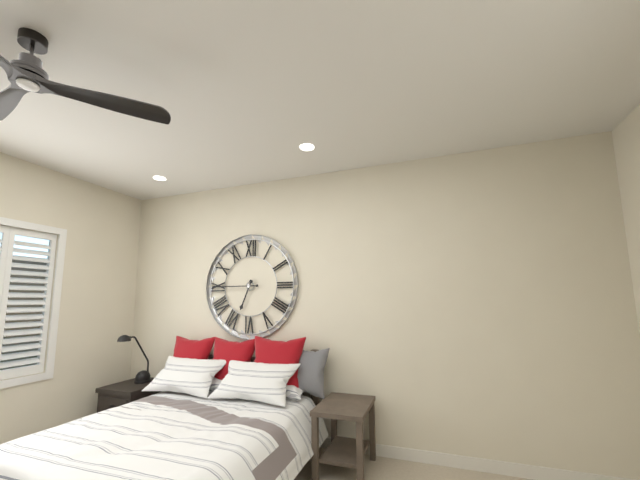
6:45
